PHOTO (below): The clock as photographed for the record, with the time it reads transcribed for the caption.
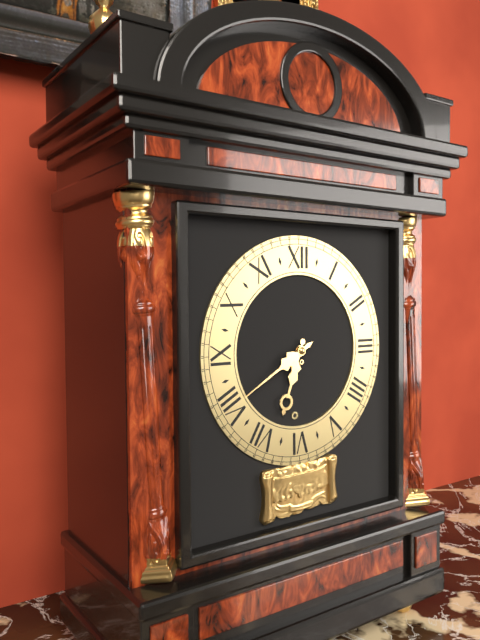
6:40
